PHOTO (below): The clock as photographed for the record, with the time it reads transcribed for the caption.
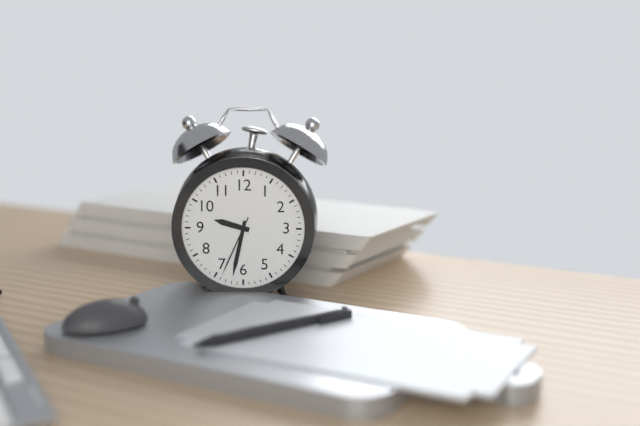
9:32:34
